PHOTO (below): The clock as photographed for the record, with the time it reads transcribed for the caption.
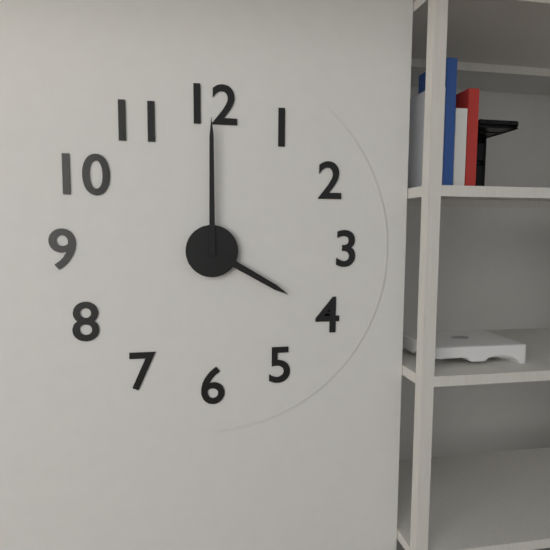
4:00
